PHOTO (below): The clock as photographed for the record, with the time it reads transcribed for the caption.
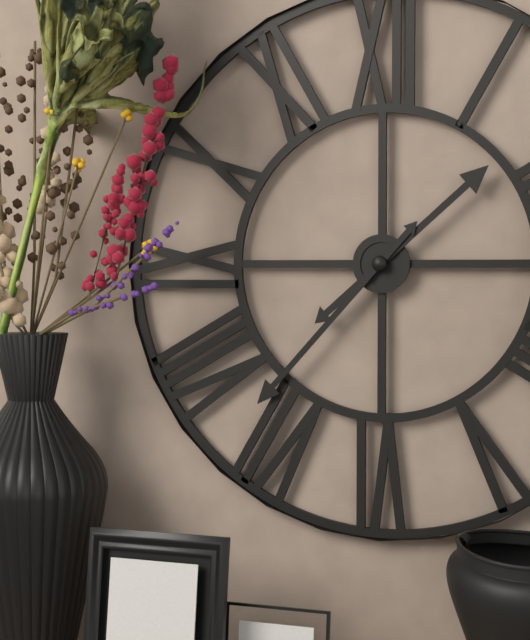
1:37
